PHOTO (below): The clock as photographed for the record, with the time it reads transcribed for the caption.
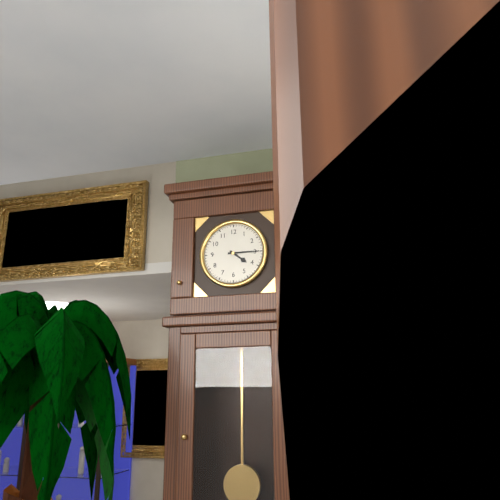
4:15
